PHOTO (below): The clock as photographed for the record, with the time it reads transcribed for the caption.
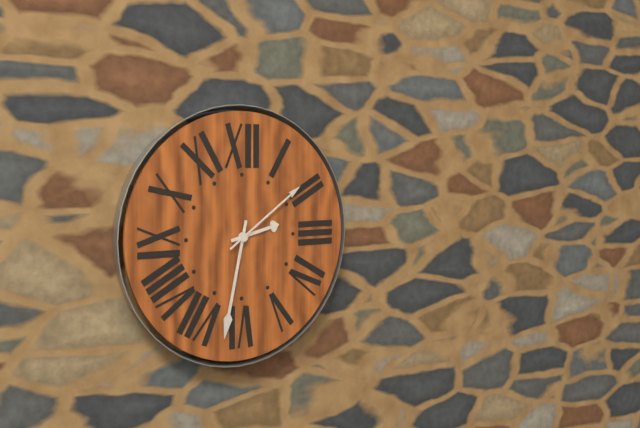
2:32:09
